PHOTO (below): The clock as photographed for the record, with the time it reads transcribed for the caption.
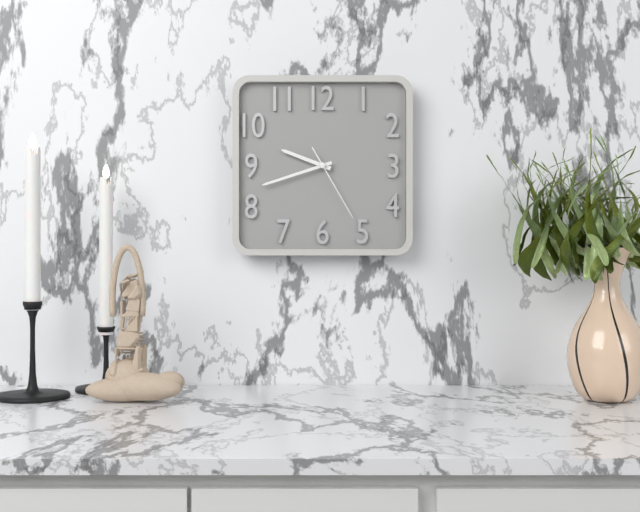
9:42:25
